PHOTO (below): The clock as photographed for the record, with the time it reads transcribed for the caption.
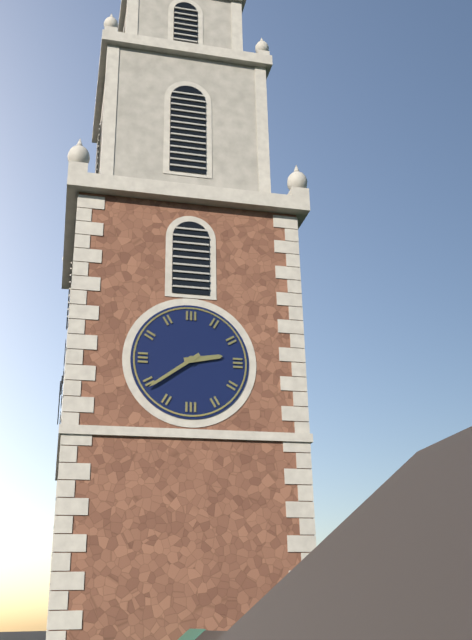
2:39
